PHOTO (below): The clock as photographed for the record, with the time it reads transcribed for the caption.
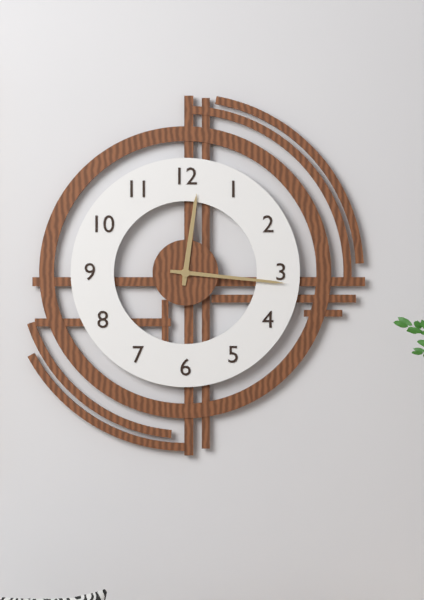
12:16
